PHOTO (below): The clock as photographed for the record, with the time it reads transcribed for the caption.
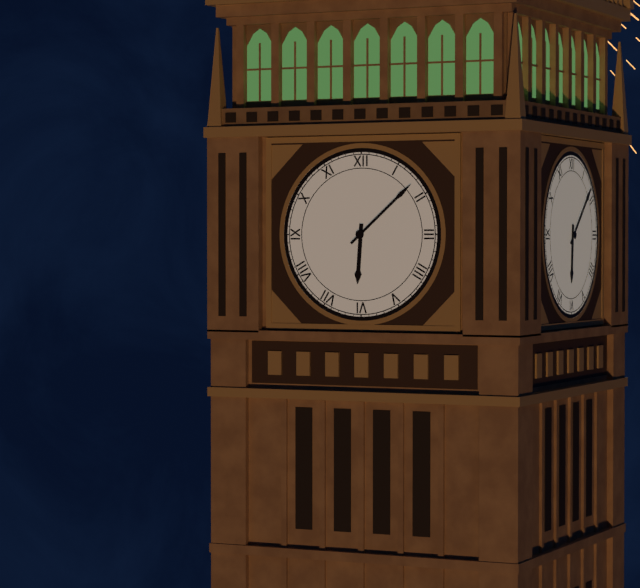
6:08
